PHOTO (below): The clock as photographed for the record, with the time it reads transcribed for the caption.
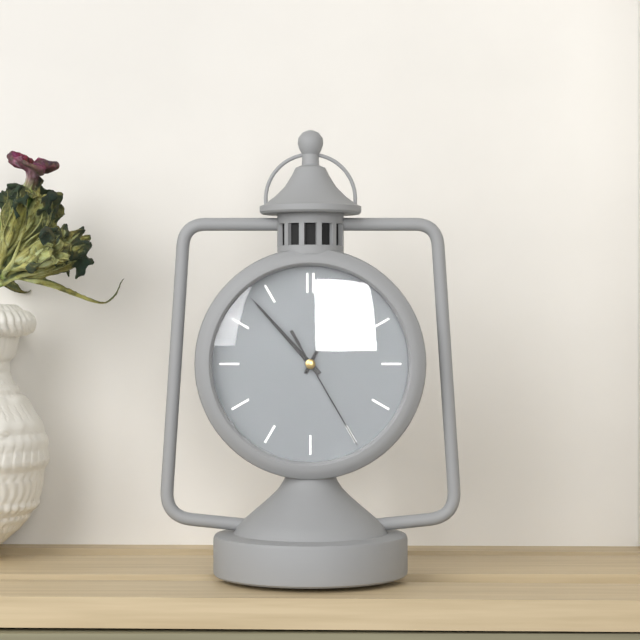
12:53:25
